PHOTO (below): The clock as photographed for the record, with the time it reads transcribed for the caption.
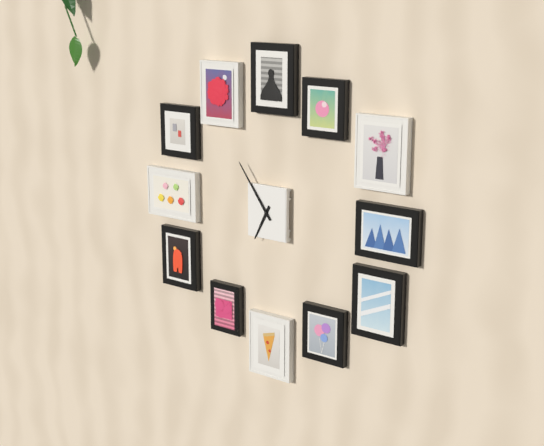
6:54
